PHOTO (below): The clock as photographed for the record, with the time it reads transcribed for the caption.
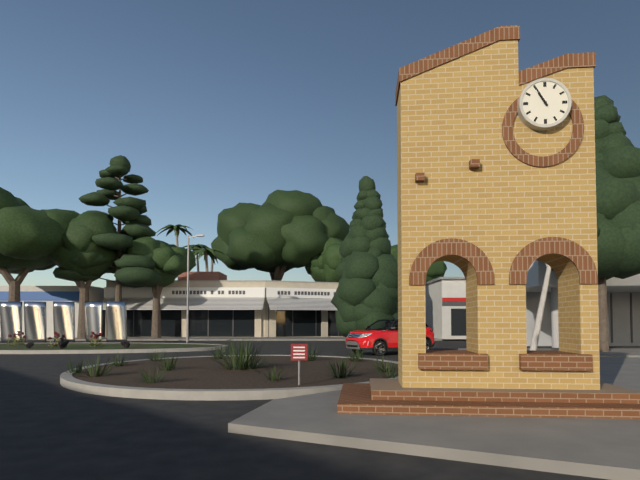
10:55
